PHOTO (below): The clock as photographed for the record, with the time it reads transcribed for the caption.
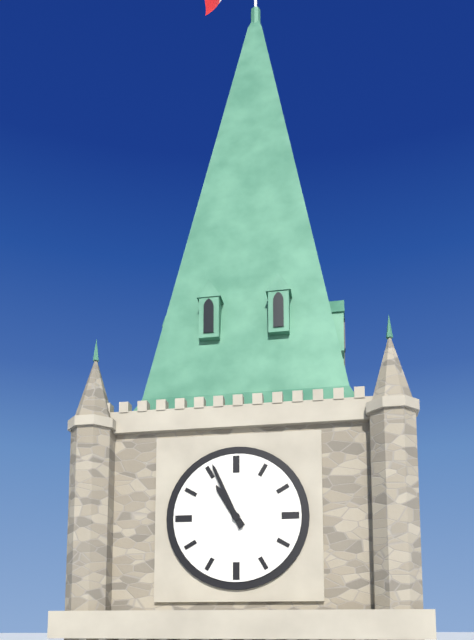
10:56
